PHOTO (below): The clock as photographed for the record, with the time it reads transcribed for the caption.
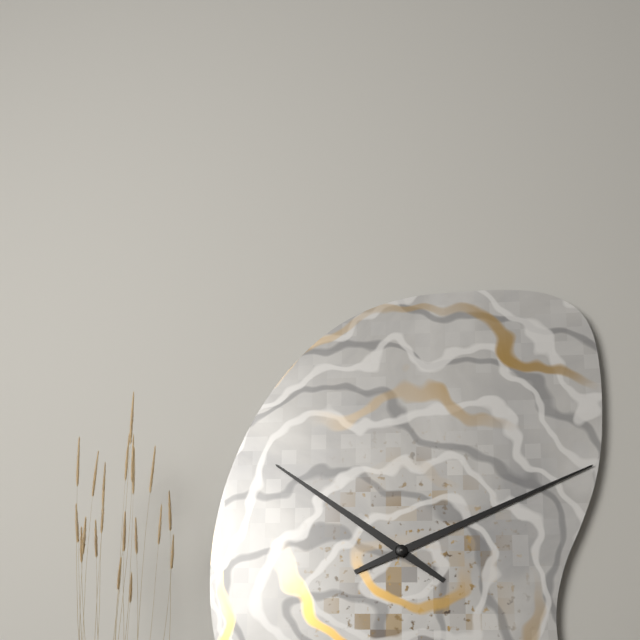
10:11
